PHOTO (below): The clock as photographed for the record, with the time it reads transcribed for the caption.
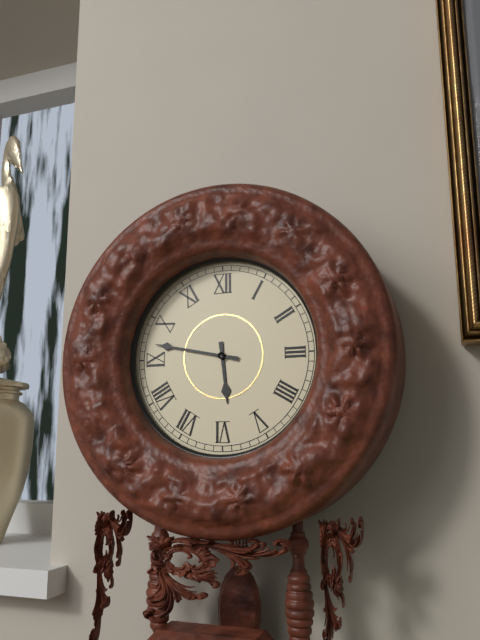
5:47
